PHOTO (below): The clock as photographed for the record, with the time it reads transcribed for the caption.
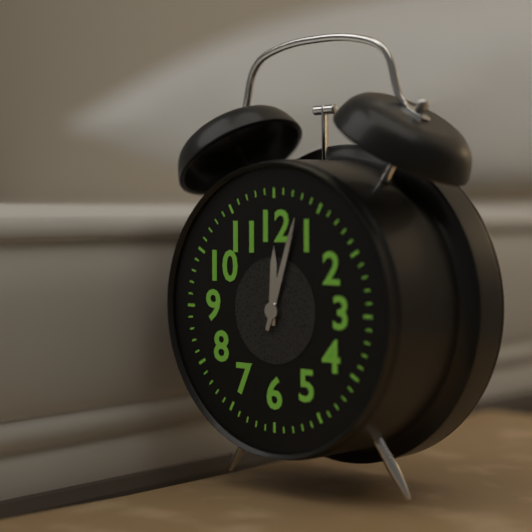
12:03
